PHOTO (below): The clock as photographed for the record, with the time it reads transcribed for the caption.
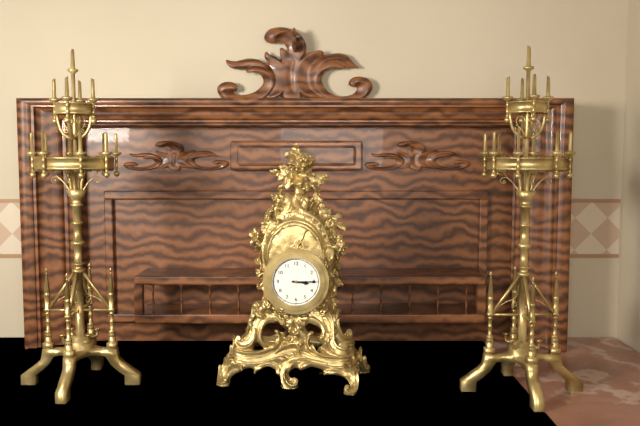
3:15
